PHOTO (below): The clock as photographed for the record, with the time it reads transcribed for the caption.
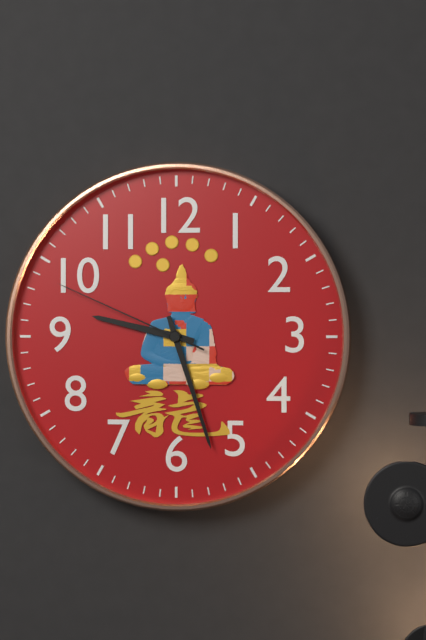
9:27:49
